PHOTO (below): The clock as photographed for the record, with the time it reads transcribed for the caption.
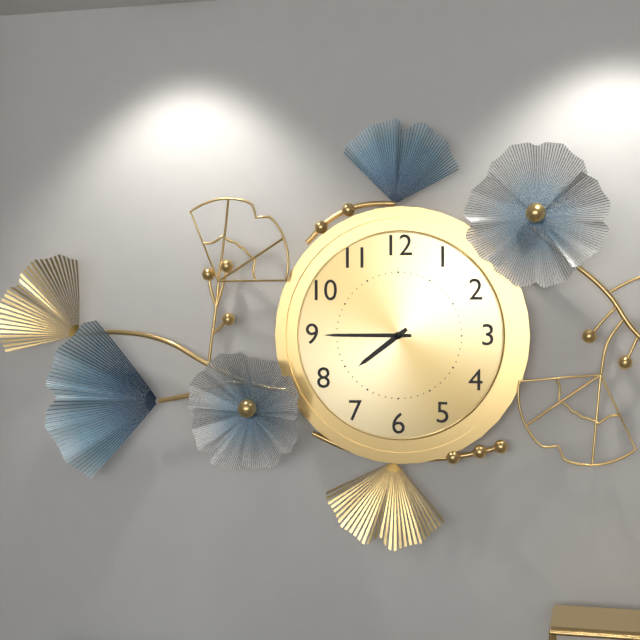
7:45
